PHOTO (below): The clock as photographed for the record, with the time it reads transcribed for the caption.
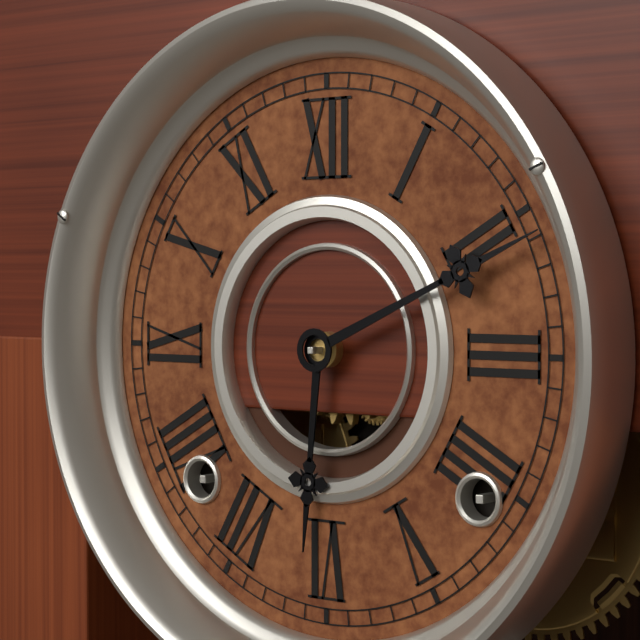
6:11
